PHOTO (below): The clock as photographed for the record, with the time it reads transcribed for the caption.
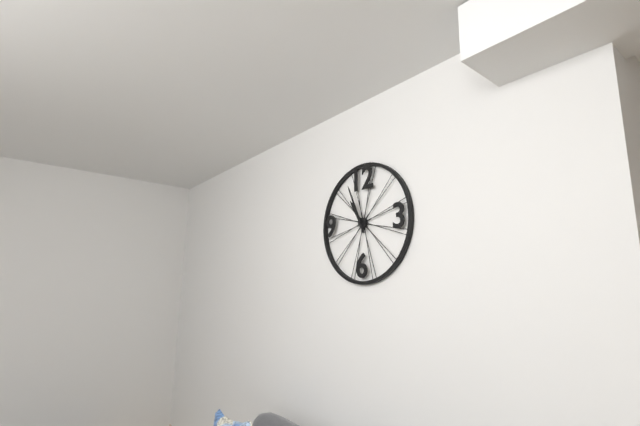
10:56
